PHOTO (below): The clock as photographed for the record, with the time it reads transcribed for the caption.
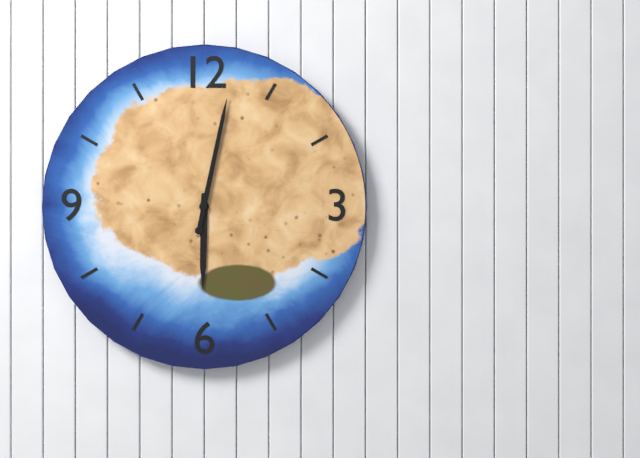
6:02
